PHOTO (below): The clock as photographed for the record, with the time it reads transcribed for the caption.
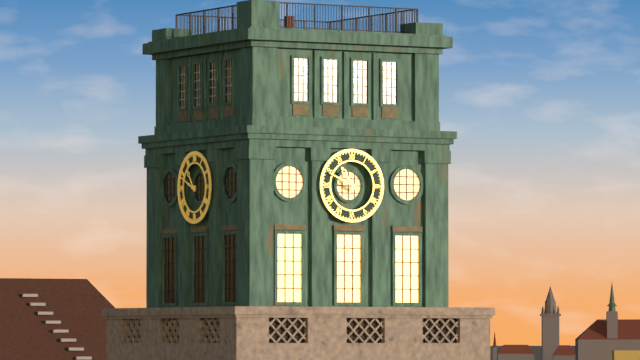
10:49
